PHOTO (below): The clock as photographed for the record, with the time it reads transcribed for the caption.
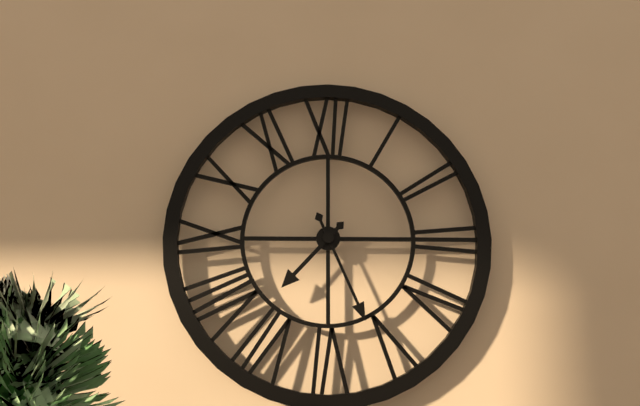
7:26
